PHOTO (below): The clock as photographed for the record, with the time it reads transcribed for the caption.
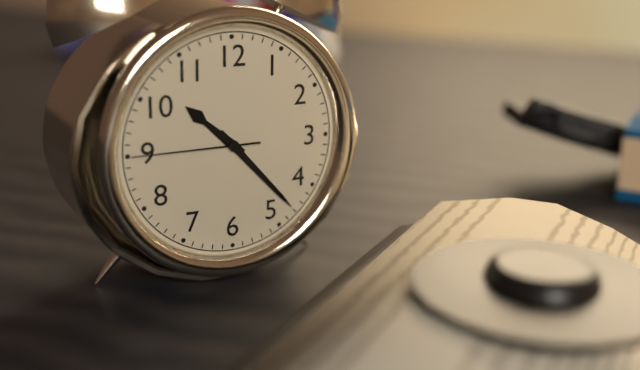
10:23:45
